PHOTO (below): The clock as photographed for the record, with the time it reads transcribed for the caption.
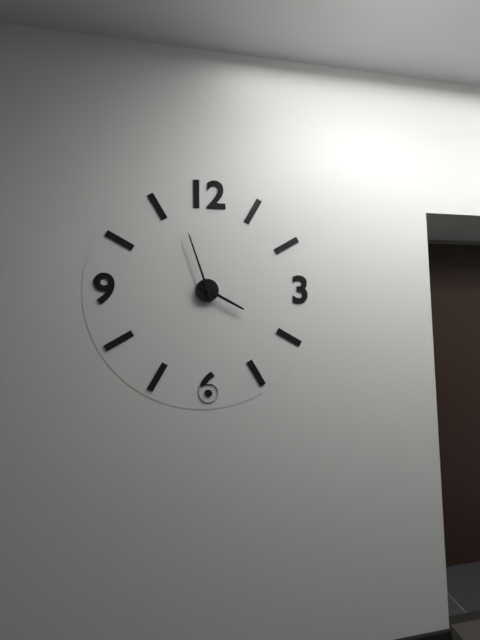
3:57
